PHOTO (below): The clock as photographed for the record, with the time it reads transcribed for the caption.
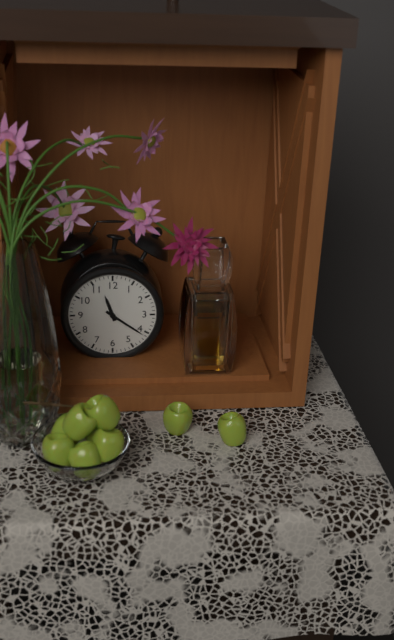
11:21
